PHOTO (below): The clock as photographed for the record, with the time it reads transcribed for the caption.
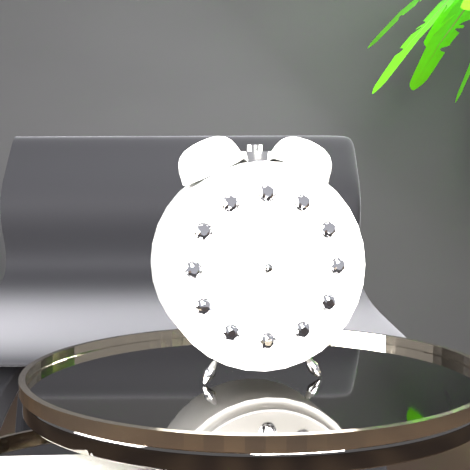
8:41:08
